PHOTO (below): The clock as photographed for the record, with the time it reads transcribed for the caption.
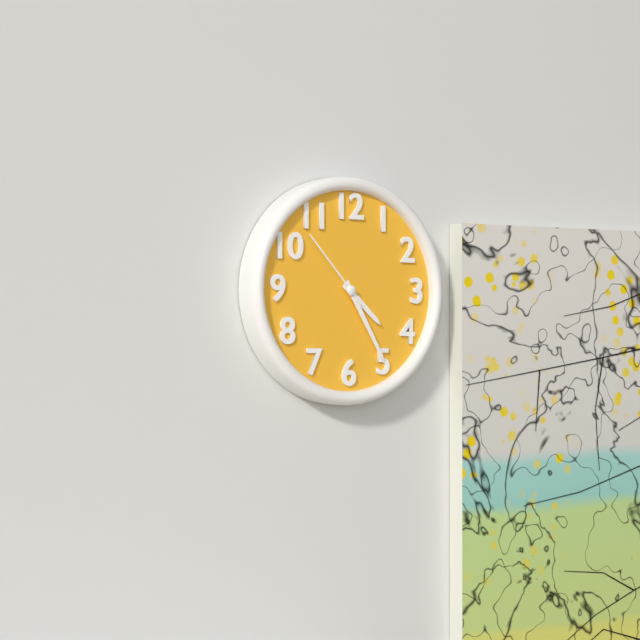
4:25:53
